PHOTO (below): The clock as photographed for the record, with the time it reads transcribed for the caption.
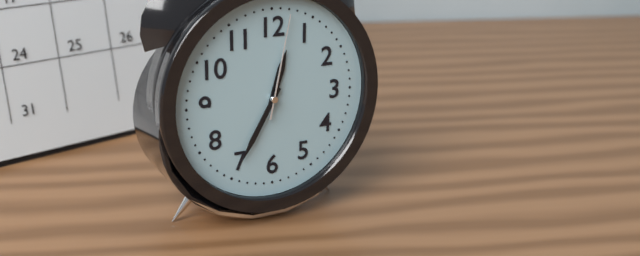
12:35:02
